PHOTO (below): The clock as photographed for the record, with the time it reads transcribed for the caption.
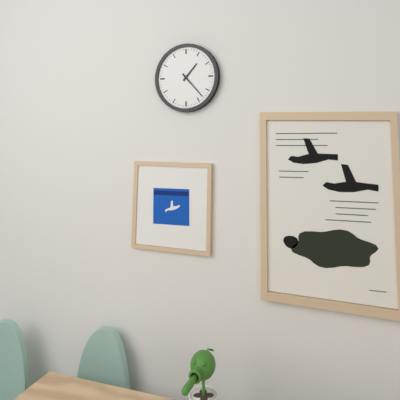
1:23
